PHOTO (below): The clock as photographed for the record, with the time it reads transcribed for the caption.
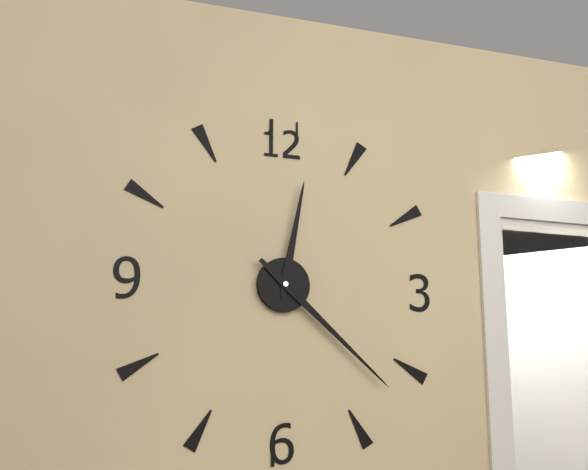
12:22
